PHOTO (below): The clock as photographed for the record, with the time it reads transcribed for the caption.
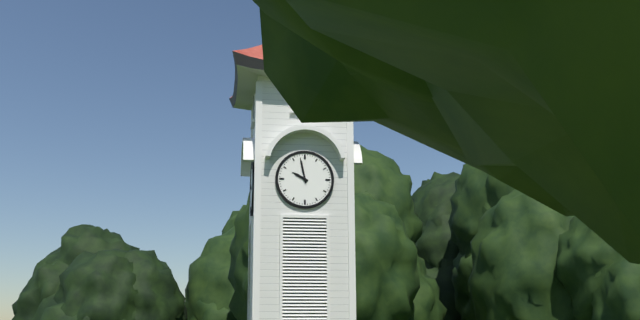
9:58
